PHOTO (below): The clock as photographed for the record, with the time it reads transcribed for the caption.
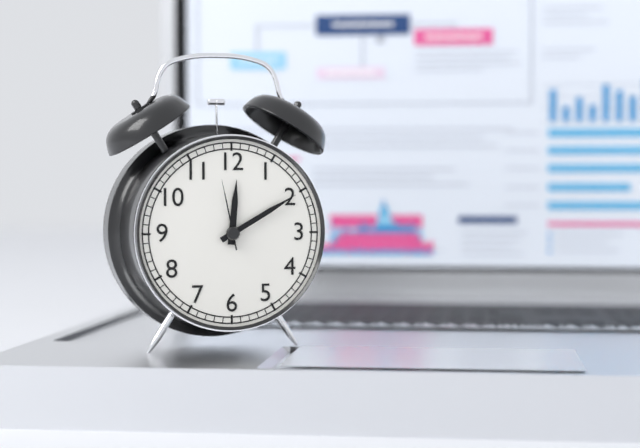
12:10:58
